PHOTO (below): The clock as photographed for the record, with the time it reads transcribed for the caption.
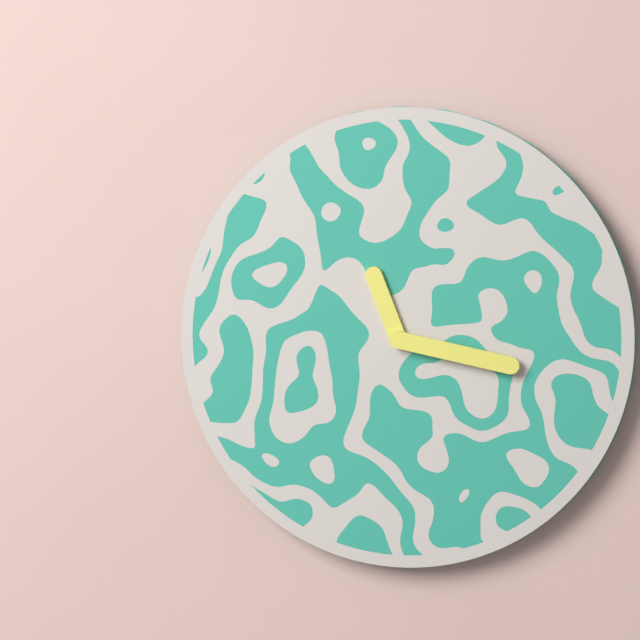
11:17
